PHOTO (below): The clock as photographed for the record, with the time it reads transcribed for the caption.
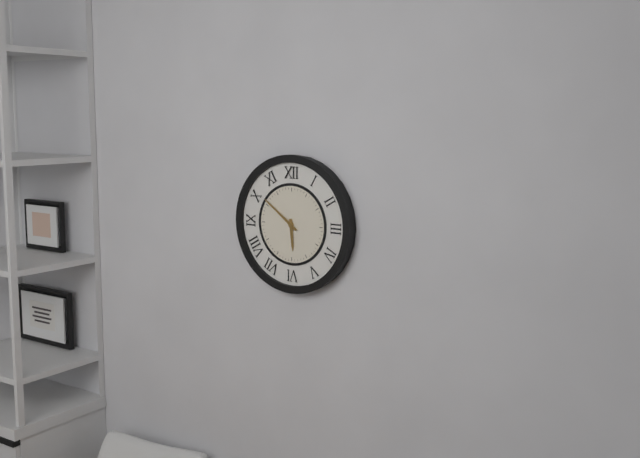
5:51
